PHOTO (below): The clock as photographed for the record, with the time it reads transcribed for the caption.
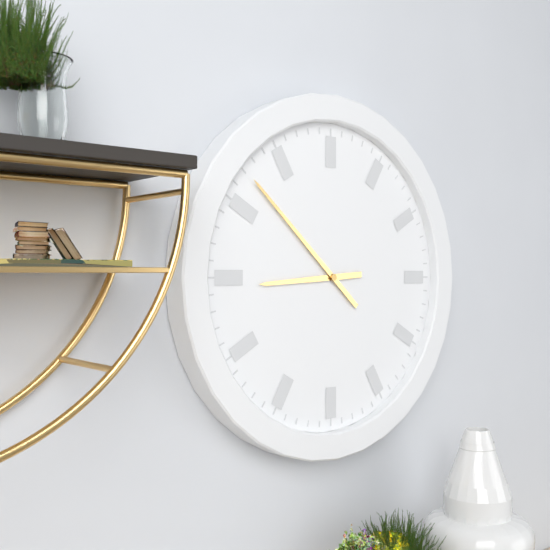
8:52
